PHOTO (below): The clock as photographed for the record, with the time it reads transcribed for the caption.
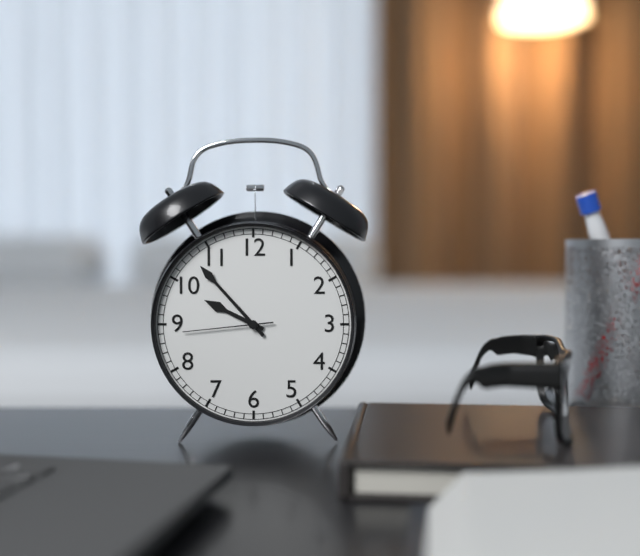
9:53:44
